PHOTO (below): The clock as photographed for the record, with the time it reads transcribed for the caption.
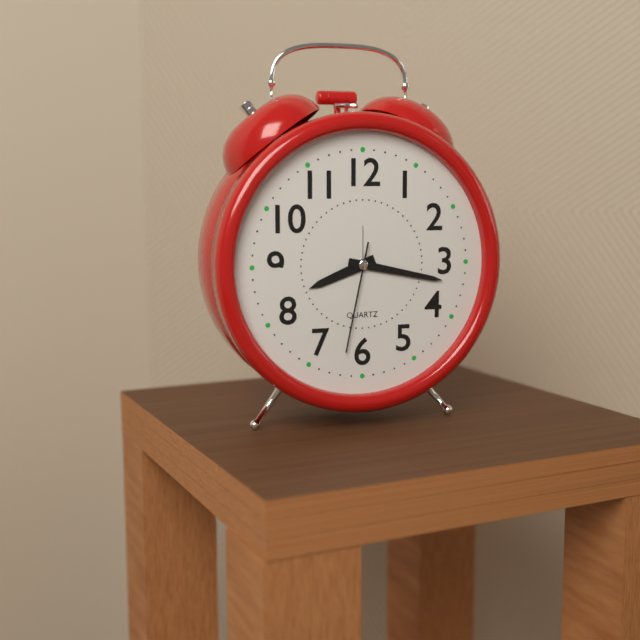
8:17:32
